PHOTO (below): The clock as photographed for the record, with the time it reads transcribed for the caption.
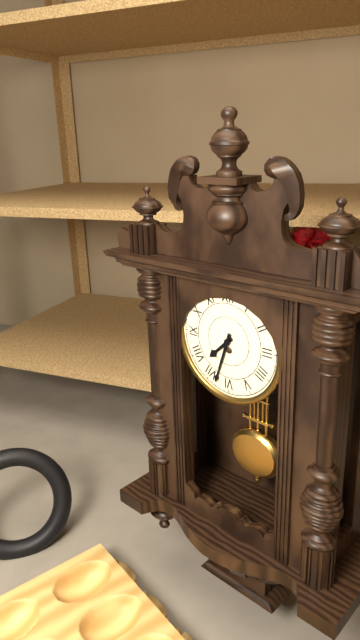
7:33
